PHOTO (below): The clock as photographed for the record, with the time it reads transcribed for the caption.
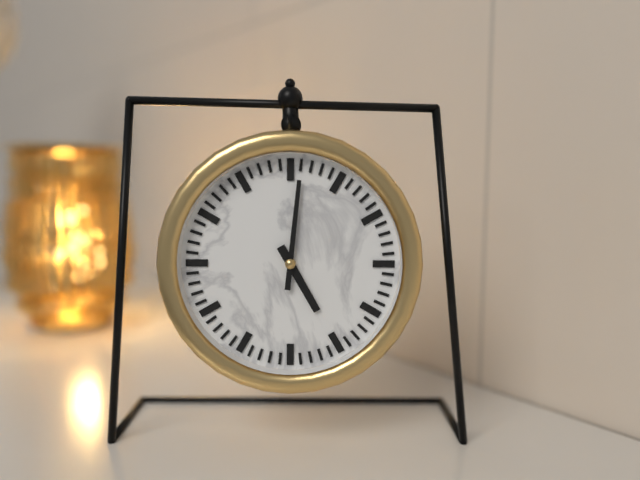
5:01
